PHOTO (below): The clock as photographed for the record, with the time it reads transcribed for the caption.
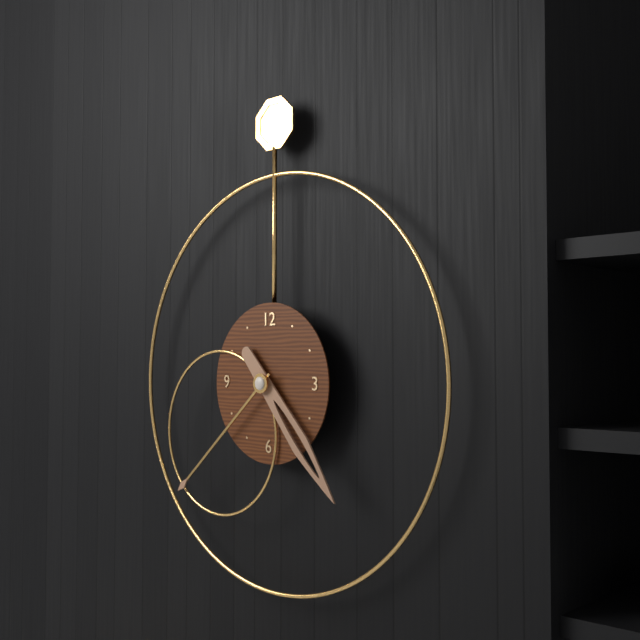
4:38
